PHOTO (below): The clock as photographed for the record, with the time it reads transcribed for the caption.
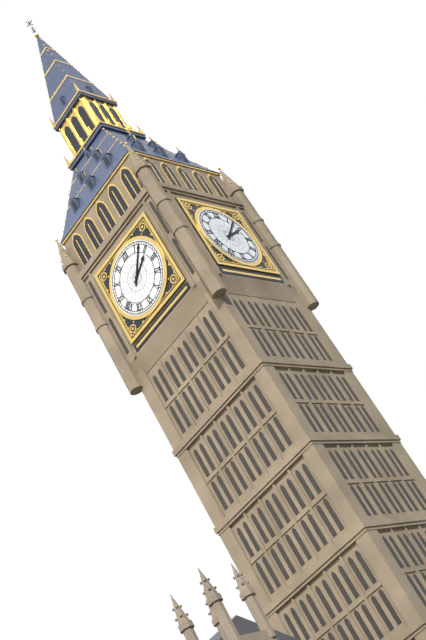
2:07
